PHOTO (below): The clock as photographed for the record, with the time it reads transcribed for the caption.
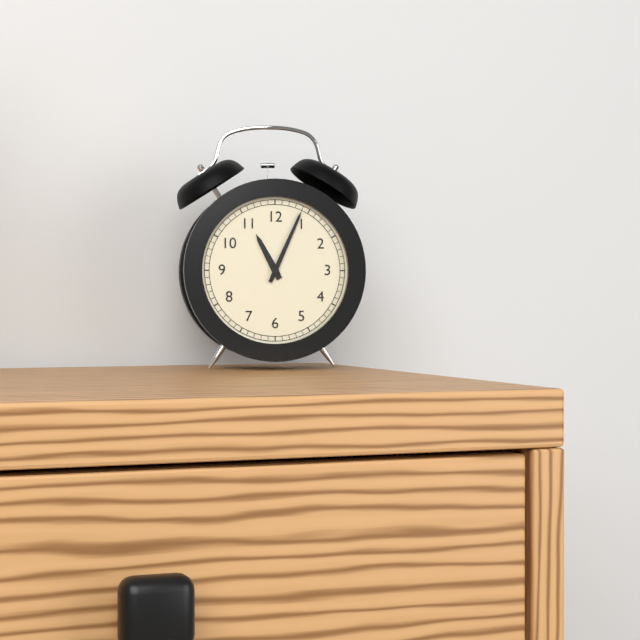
11:04
